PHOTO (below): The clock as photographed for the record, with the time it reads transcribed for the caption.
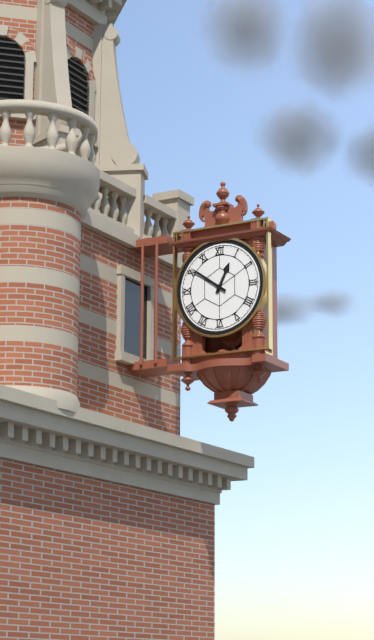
12:51
